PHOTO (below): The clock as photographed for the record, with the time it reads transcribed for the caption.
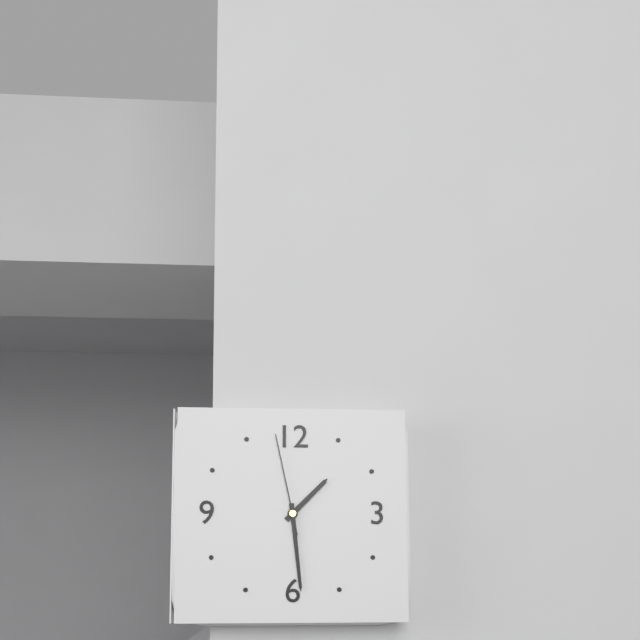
1:29:58
